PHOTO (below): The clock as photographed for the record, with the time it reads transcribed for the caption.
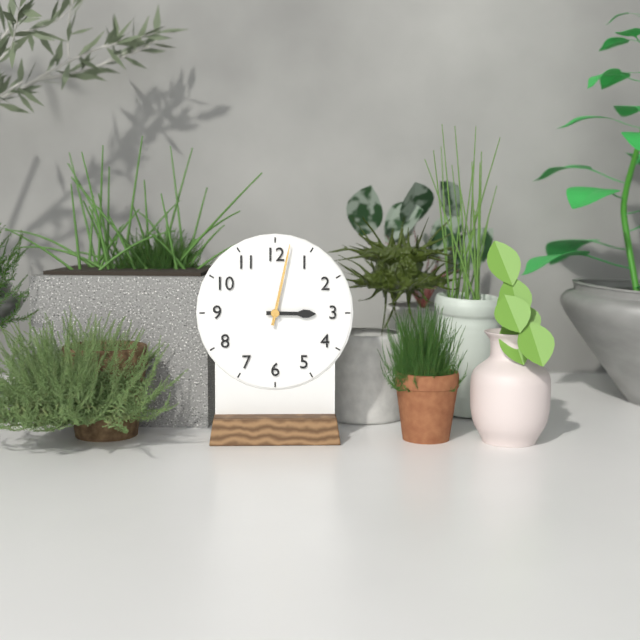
3:02
